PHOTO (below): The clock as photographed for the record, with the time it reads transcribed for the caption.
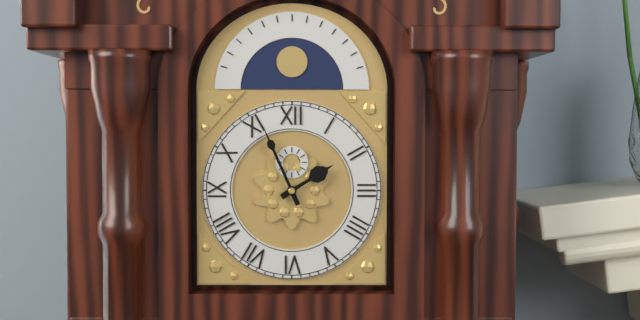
1:56
